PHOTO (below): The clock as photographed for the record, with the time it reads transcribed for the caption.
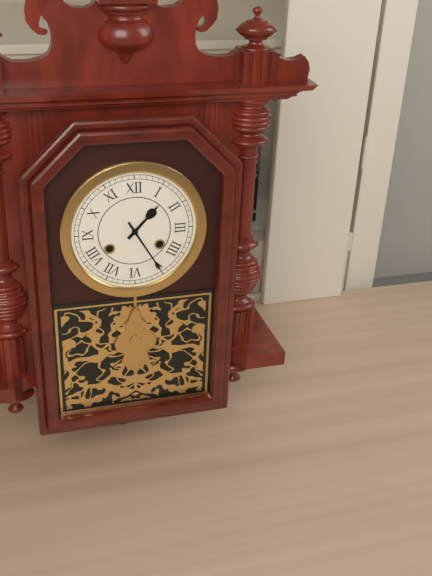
1:25
